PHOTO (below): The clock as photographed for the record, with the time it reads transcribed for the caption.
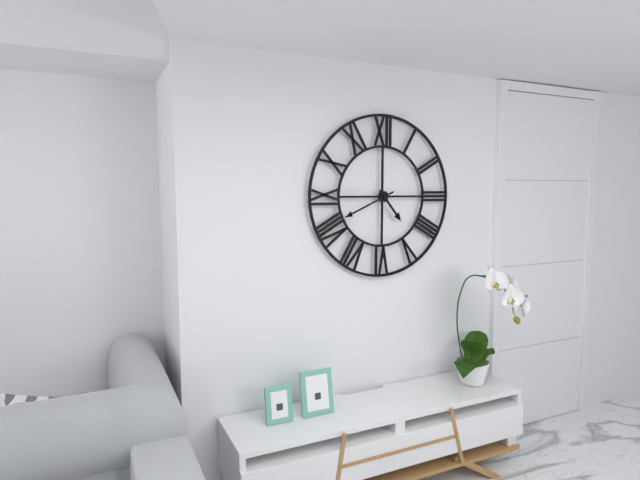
4:41
